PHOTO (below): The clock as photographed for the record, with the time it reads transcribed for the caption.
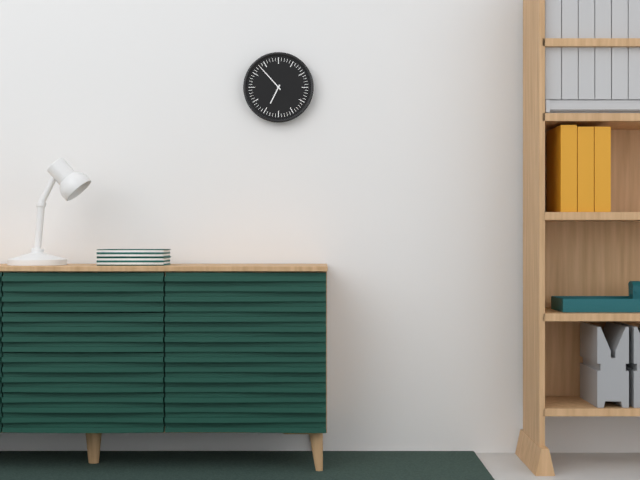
6:53
